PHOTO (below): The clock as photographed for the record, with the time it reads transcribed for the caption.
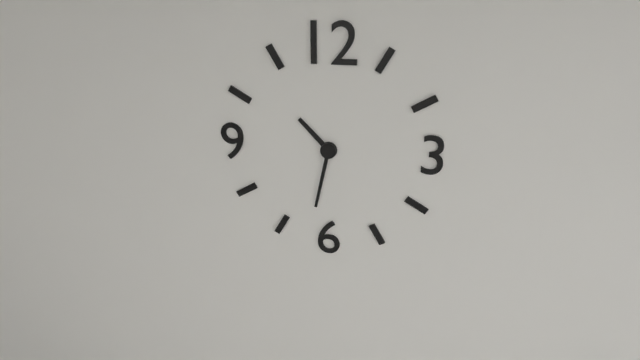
10:32
